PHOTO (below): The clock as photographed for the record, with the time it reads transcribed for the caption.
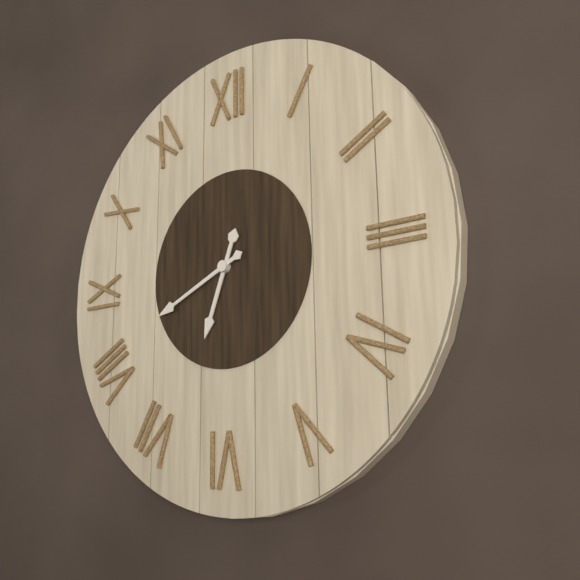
6:41
